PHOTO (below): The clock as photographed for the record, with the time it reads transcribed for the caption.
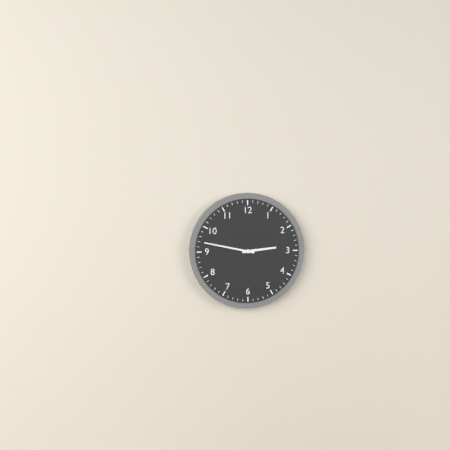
2:47
